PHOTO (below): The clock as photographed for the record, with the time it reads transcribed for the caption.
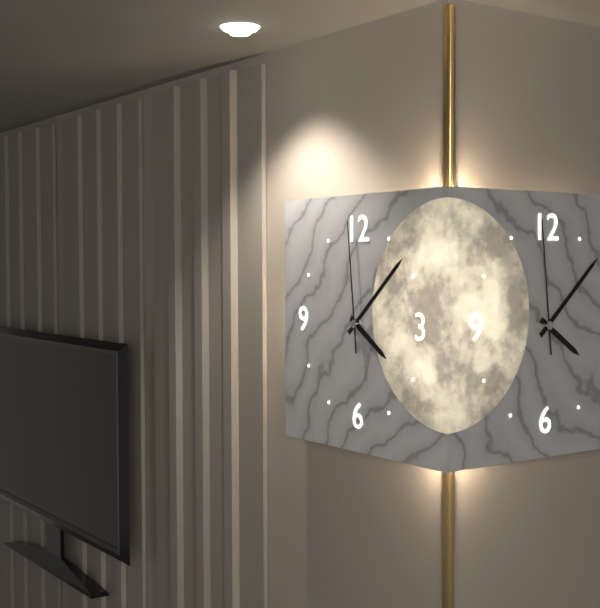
4:08:59
